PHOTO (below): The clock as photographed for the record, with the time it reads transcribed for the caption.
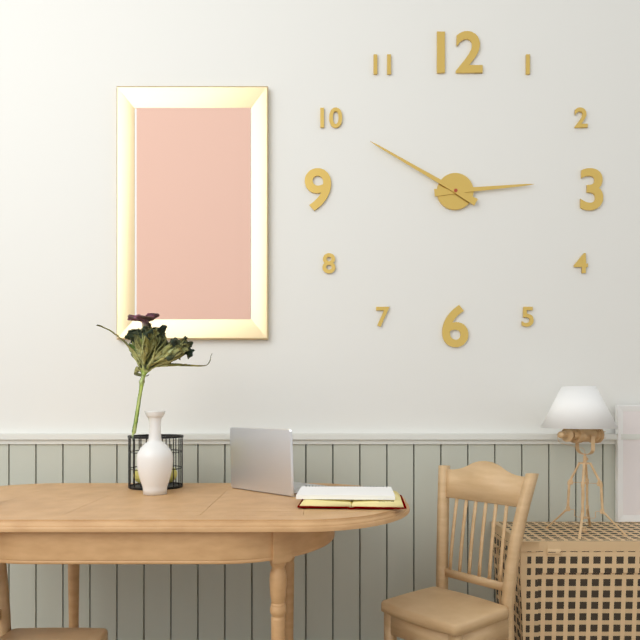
2:50
